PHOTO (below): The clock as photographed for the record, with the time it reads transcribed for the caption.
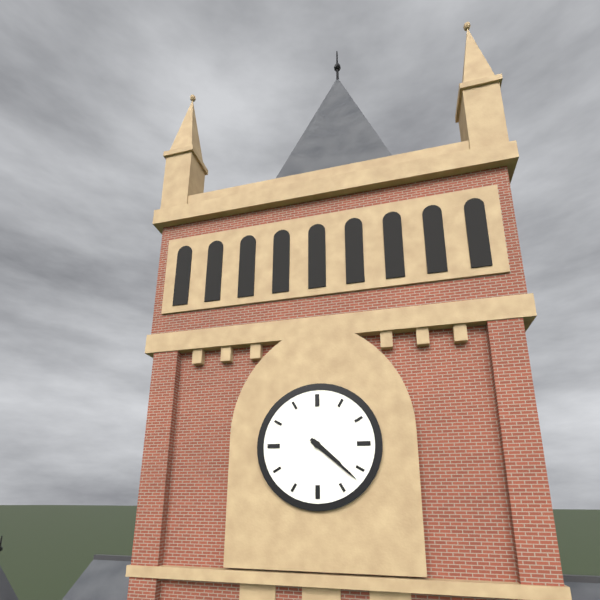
4:22
